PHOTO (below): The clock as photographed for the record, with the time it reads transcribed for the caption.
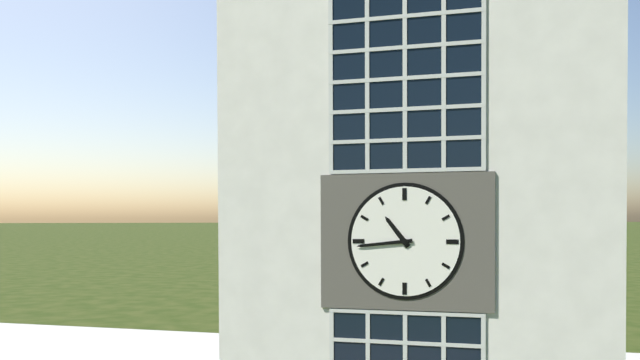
10:44
